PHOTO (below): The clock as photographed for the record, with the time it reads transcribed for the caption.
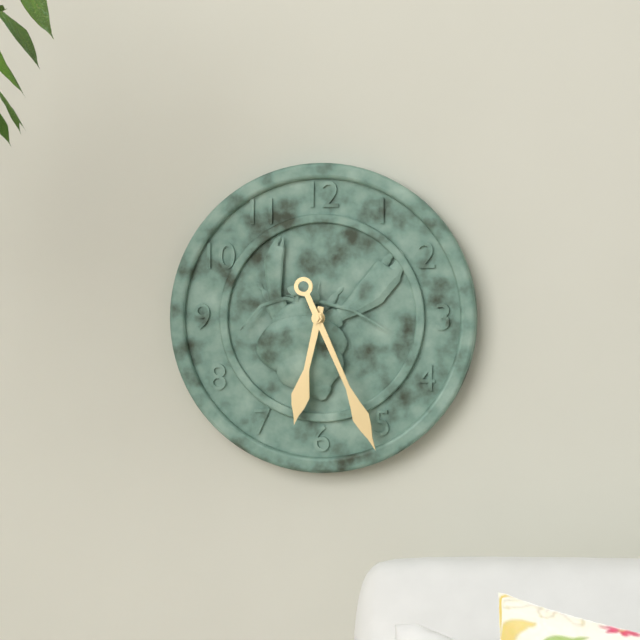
6:26
